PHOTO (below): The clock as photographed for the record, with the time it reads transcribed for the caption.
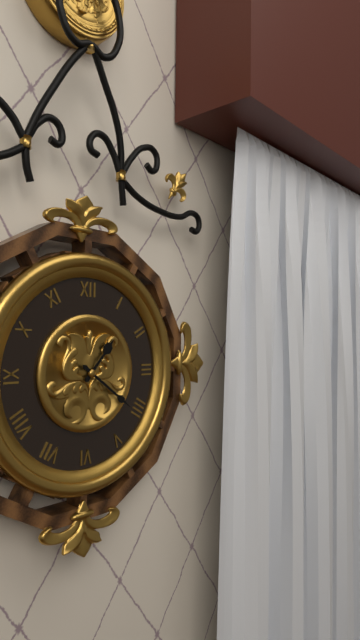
1:21
